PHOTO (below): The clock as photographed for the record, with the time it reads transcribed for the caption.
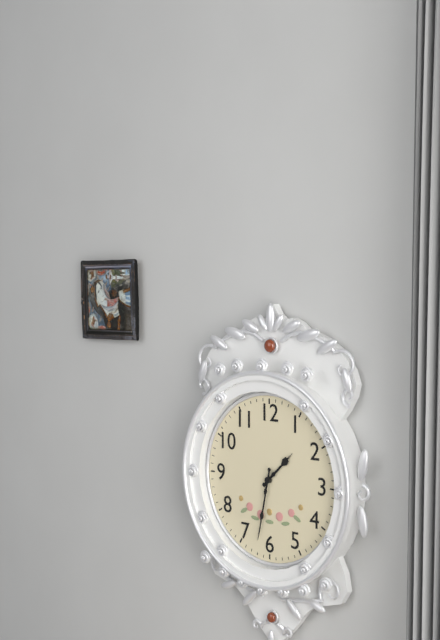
1:32
